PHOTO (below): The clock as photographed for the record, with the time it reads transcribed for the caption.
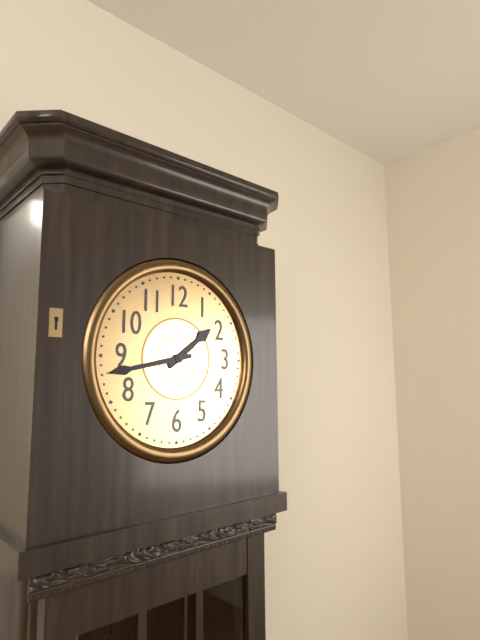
1:43
